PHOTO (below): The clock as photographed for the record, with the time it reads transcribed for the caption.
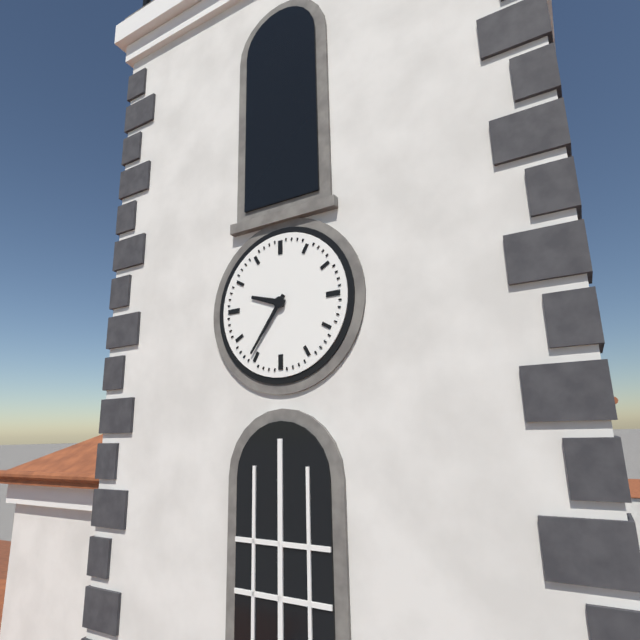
9:36
